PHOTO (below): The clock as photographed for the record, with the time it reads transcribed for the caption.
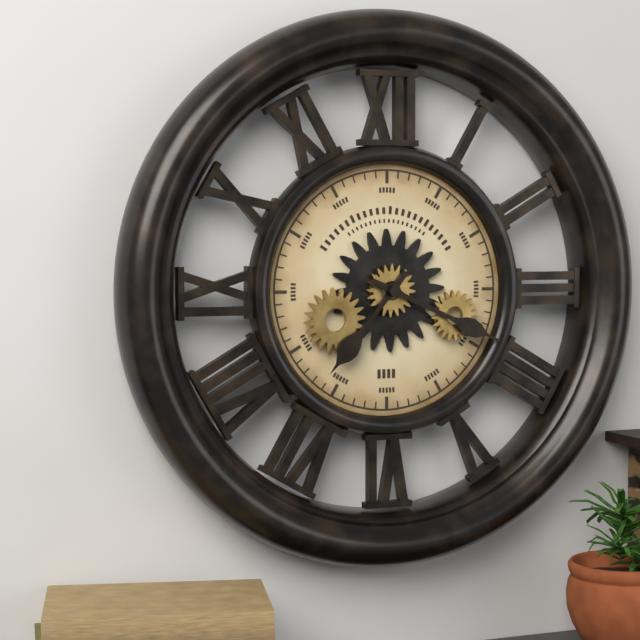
7:19
